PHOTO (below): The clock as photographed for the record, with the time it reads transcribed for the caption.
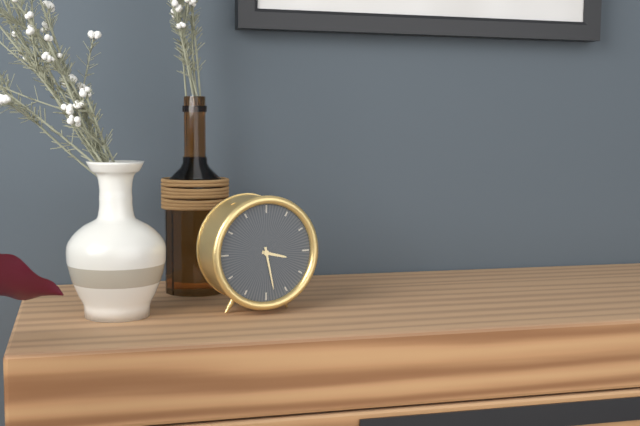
3:28
